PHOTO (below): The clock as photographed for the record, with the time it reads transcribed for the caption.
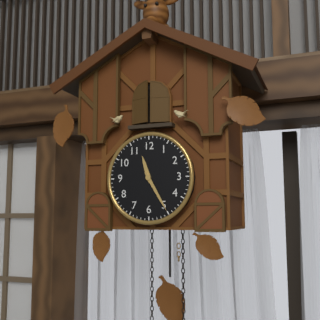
11:25
